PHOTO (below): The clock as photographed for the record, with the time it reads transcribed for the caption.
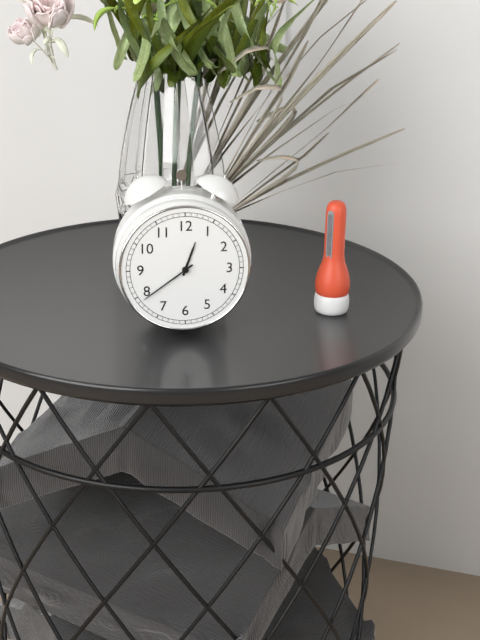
12:39
